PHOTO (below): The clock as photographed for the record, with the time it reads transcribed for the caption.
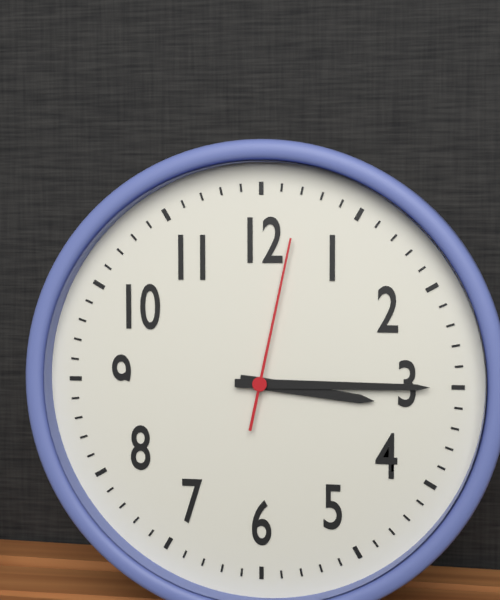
3:15:02
